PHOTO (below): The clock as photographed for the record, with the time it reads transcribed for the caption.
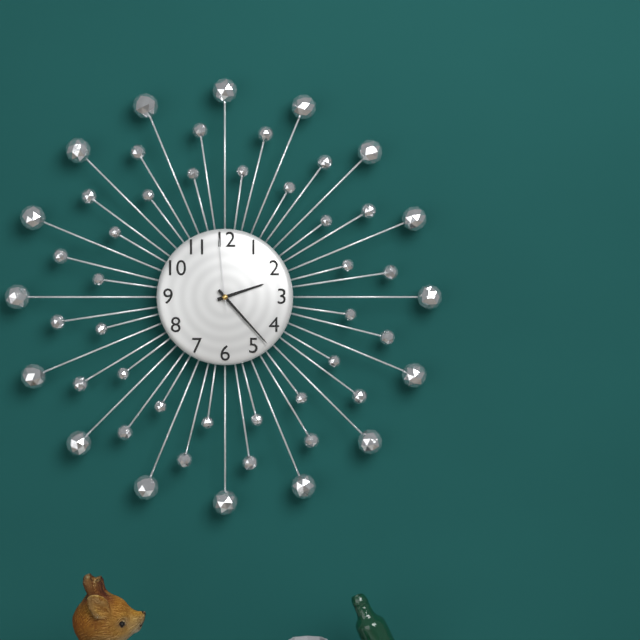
2:23:59
